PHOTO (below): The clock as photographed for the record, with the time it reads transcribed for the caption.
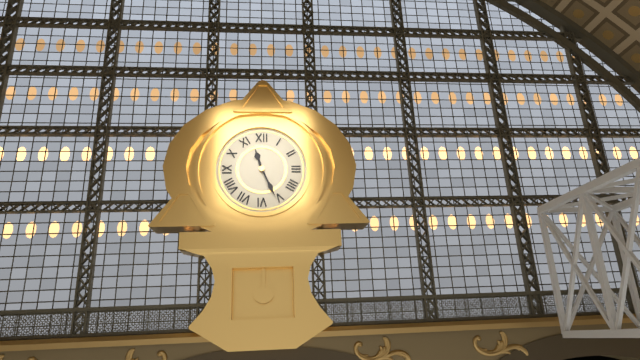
11:26
